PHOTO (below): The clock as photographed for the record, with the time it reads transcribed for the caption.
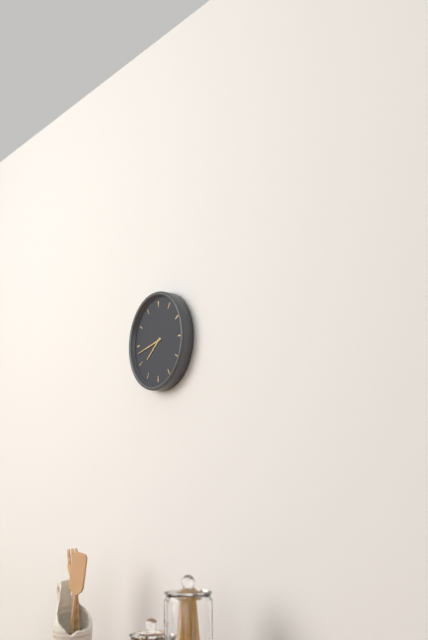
7:43
